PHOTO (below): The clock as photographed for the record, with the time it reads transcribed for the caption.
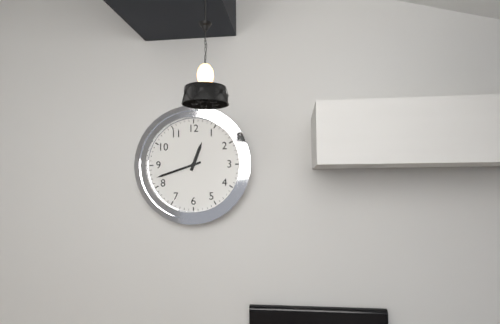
12:42
